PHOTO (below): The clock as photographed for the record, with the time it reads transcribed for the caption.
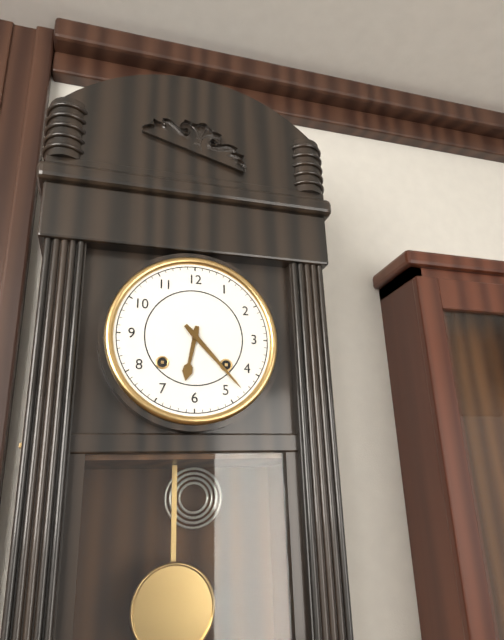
6:23
